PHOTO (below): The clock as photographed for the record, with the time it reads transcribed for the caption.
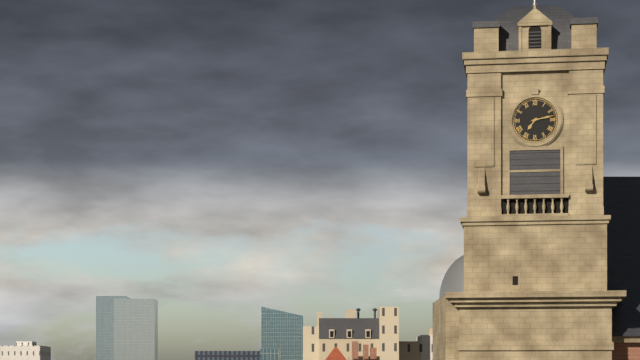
7:13
